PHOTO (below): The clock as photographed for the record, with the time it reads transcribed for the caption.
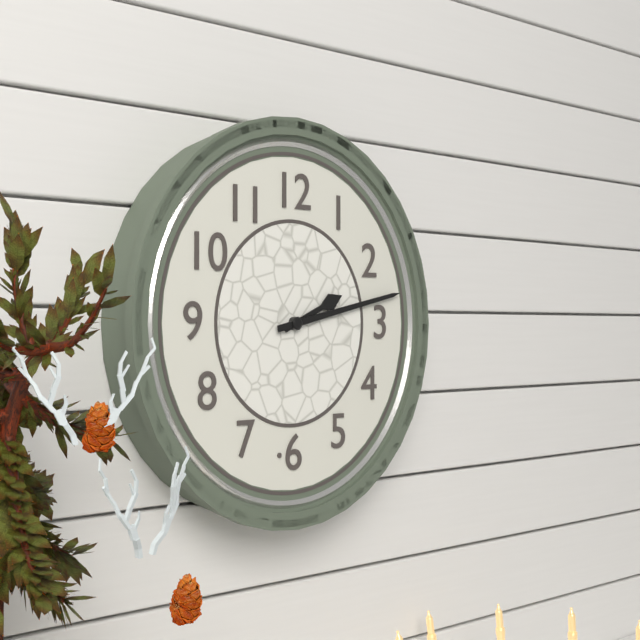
2:13
